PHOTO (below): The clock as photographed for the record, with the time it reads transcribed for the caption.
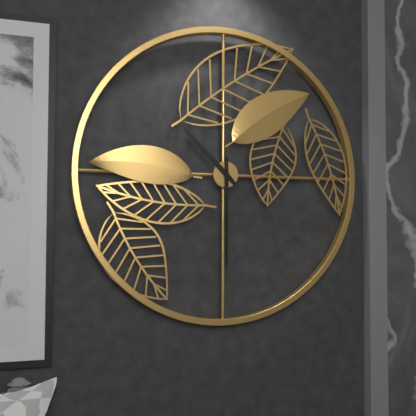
10:30
